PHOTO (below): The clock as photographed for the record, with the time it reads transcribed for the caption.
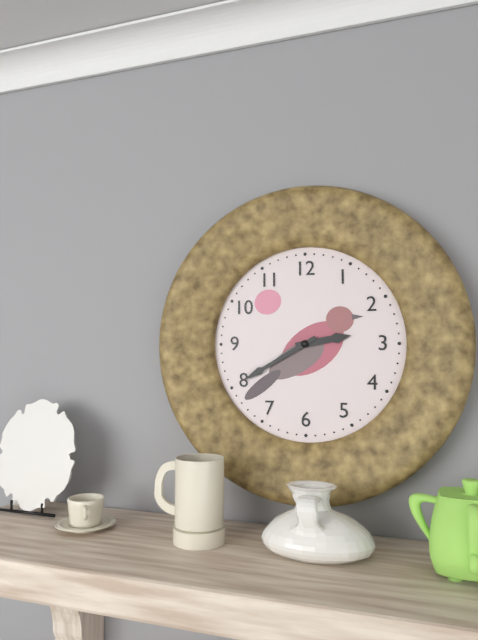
2:40
